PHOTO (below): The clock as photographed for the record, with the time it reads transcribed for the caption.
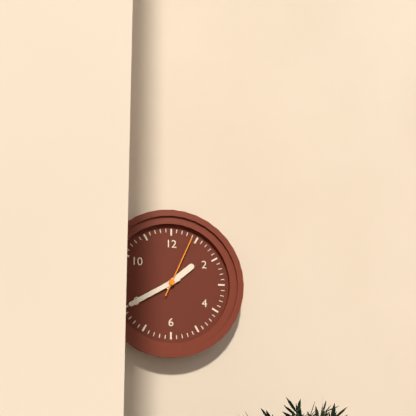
1:40:04
